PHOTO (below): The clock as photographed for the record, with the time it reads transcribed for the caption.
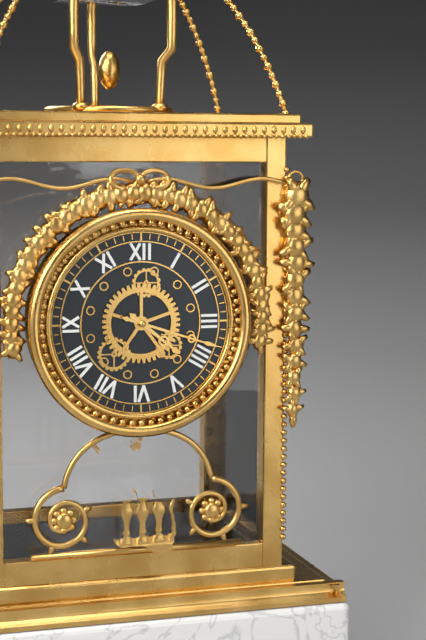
4:18
